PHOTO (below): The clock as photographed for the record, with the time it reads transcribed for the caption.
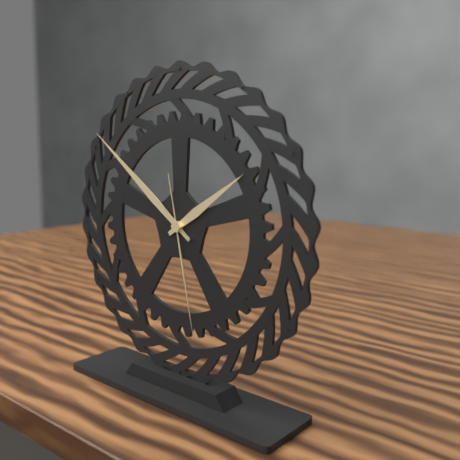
1:51:28
